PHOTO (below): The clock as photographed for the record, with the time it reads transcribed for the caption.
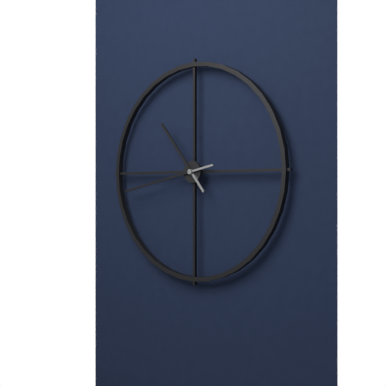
10:43
